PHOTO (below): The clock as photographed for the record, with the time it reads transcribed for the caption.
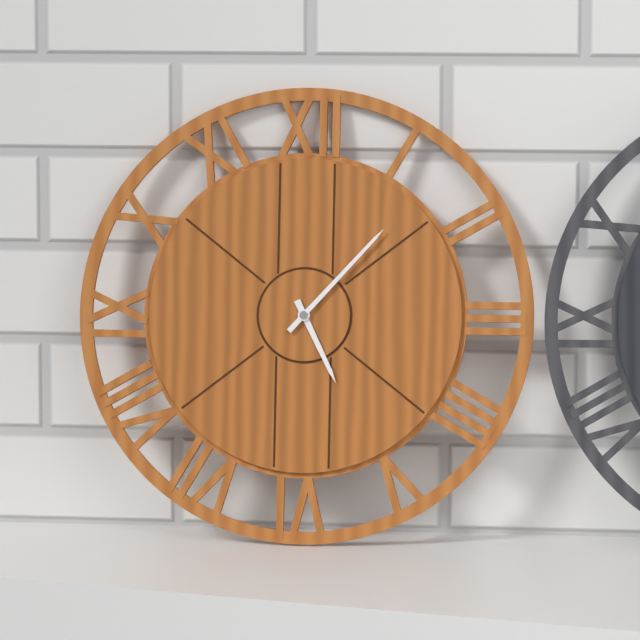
5:07
